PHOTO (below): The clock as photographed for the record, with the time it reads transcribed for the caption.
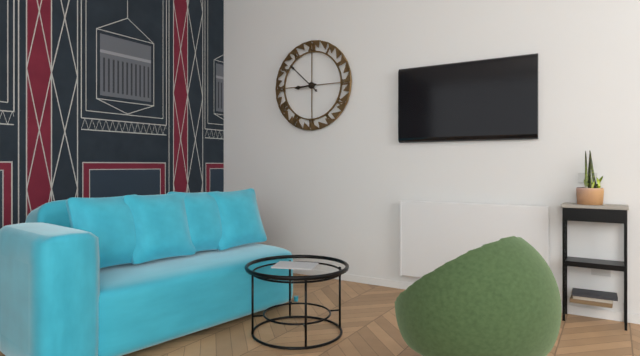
8:52
